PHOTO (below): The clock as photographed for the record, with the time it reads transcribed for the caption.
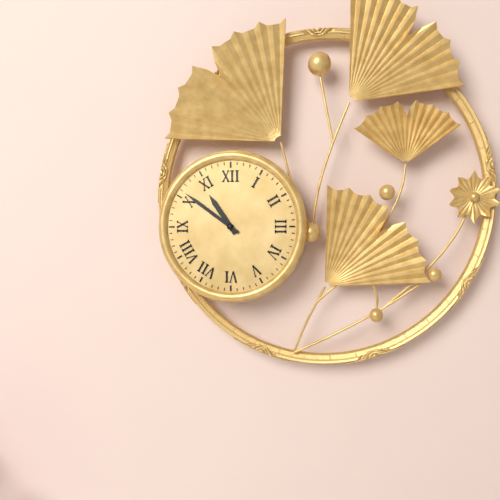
10:51
